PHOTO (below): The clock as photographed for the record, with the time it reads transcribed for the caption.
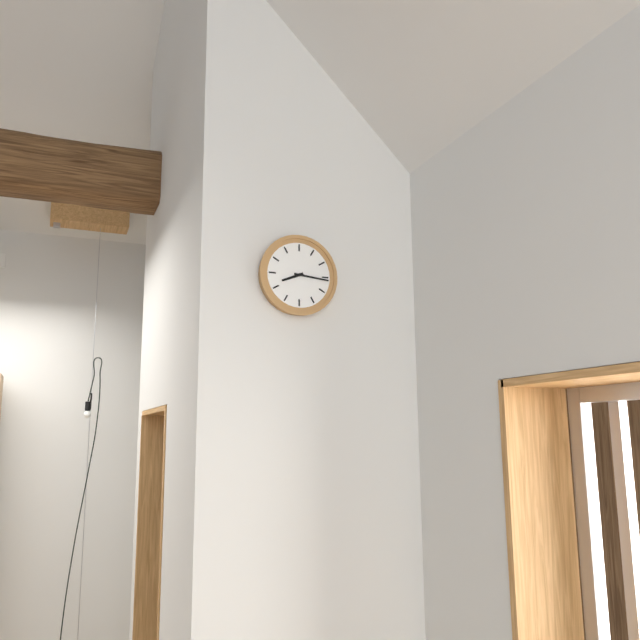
8:16
